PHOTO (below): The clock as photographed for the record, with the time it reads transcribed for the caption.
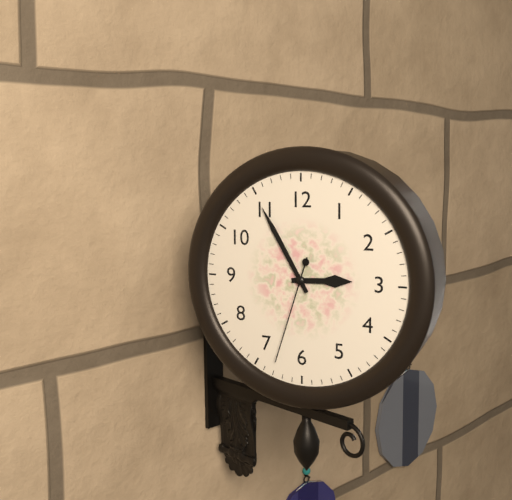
2:55:33
